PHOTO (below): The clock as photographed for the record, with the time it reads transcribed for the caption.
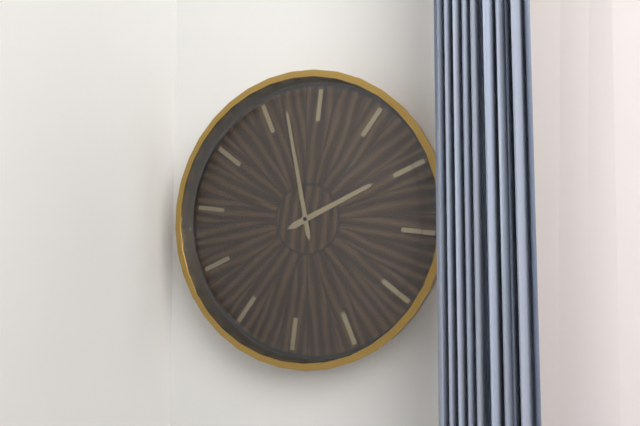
1:57
